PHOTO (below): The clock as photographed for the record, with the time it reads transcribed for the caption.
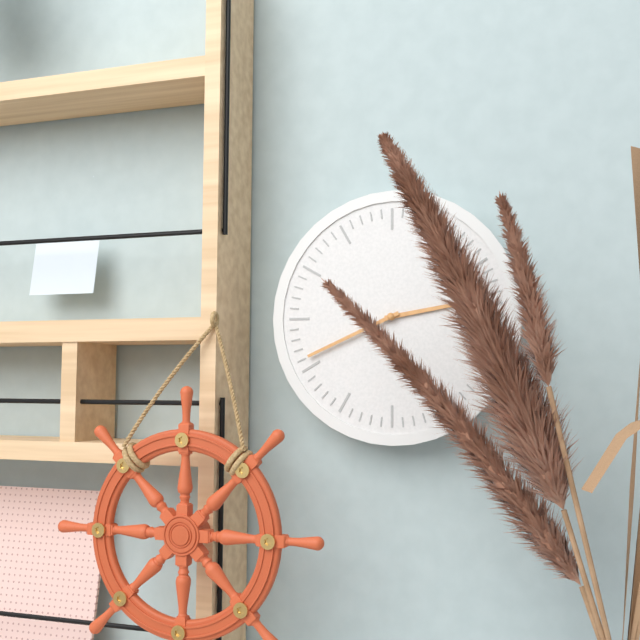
2:41
